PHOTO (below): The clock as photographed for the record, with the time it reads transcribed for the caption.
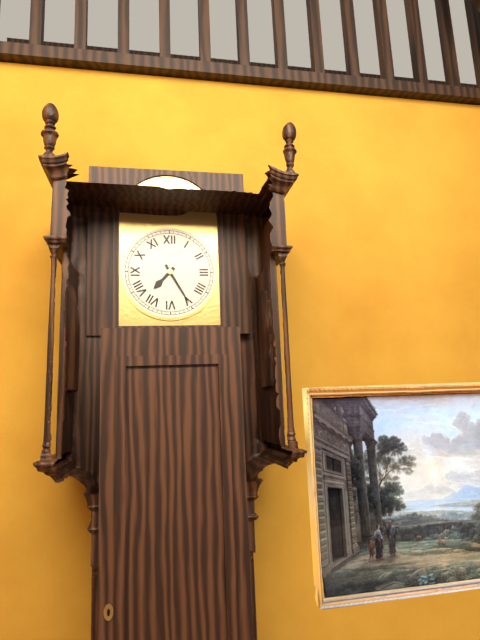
7:25
